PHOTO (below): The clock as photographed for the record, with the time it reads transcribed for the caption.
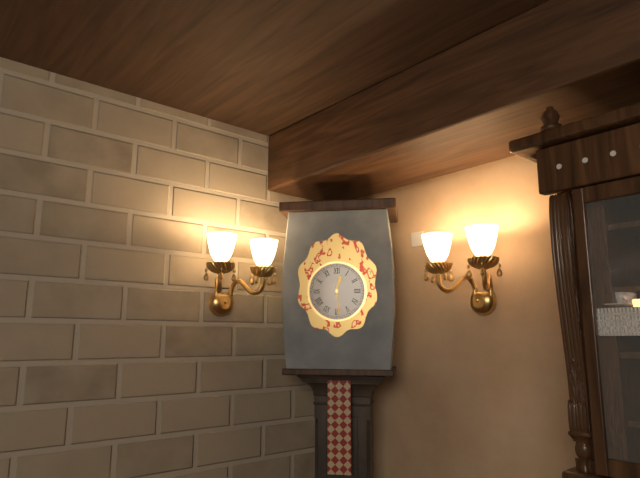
12:29
